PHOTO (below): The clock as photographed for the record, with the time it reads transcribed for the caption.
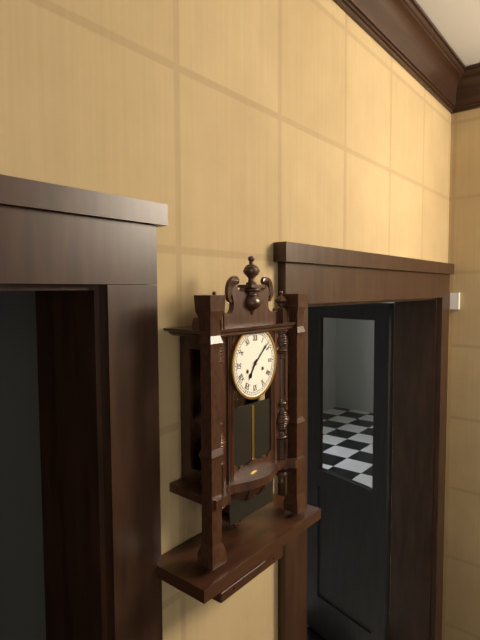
7:08
